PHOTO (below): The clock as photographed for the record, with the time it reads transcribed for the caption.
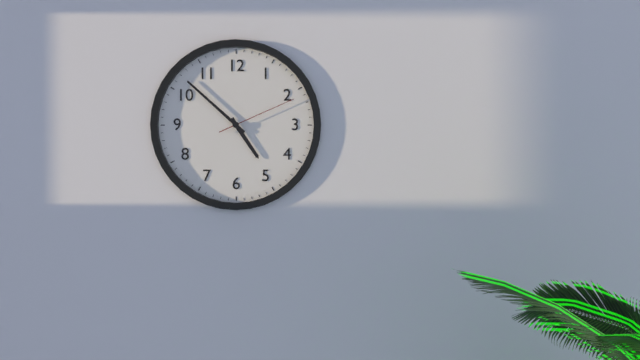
4:52:11
